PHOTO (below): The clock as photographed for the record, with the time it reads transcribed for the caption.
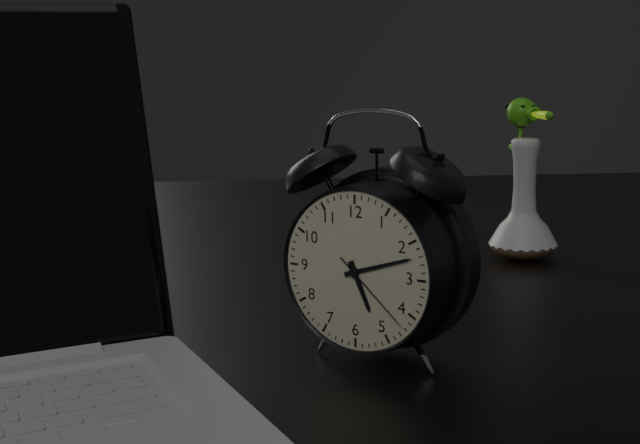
5:12:22
